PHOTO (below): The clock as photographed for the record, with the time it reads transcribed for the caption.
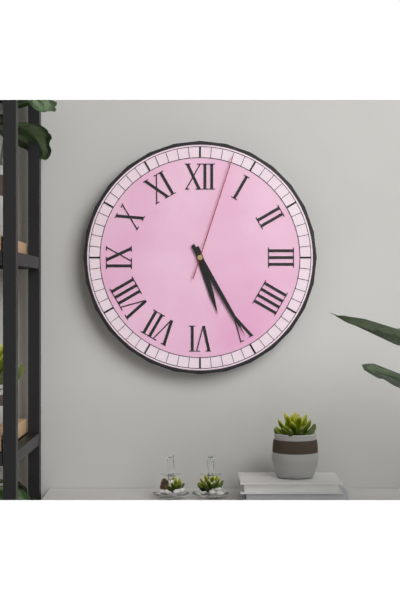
5:25:03
